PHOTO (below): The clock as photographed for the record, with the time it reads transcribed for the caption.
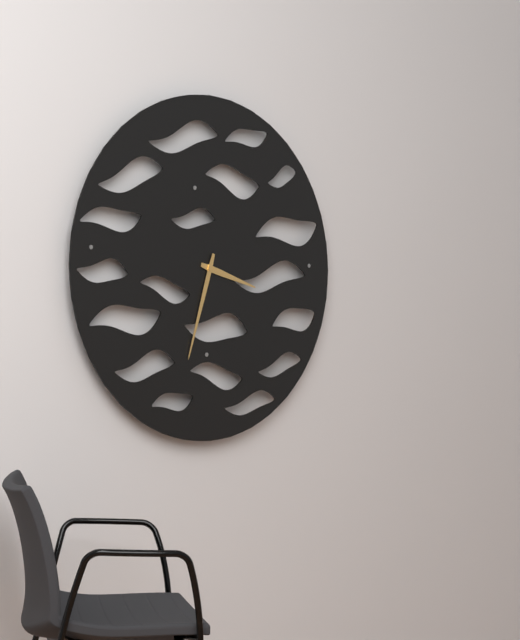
3:33
